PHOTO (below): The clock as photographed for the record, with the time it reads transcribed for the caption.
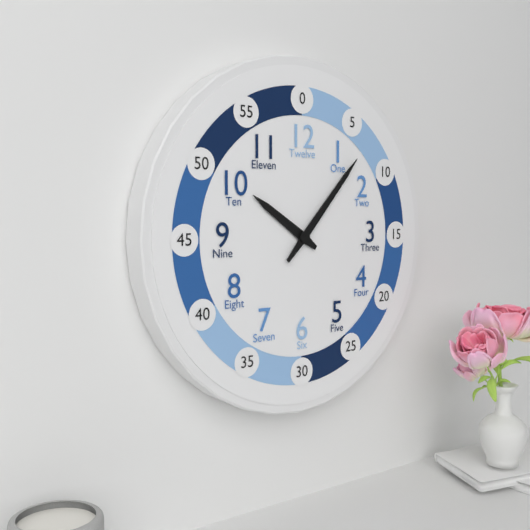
10:07
